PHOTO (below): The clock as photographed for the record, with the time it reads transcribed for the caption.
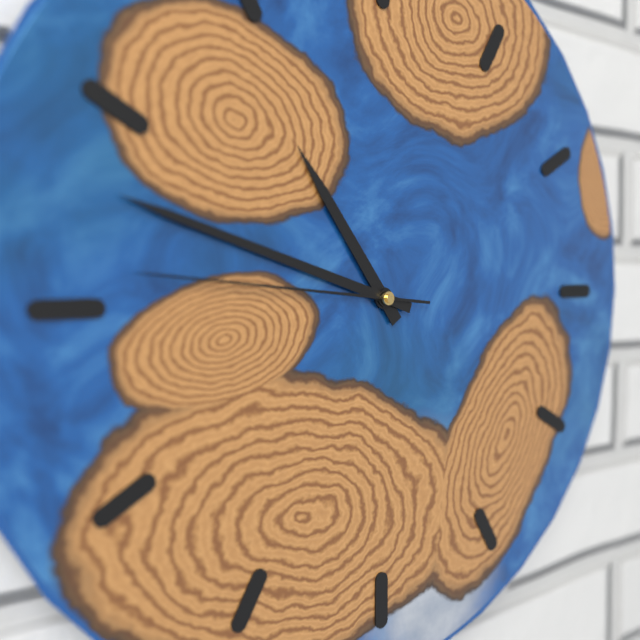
10:48:46
